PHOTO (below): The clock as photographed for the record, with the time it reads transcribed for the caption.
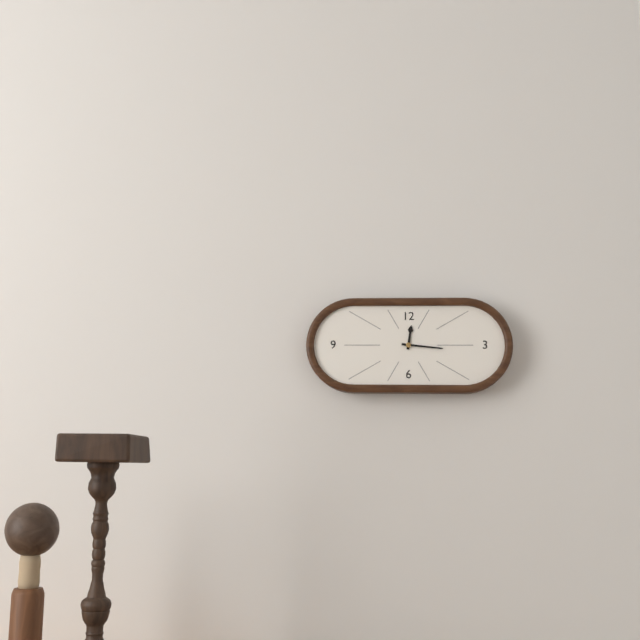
12:16
